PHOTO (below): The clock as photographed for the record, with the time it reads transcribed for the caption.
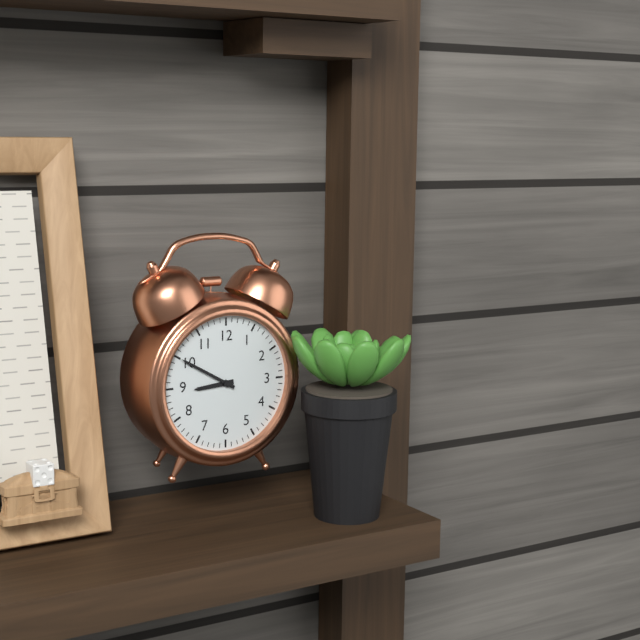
8:50
